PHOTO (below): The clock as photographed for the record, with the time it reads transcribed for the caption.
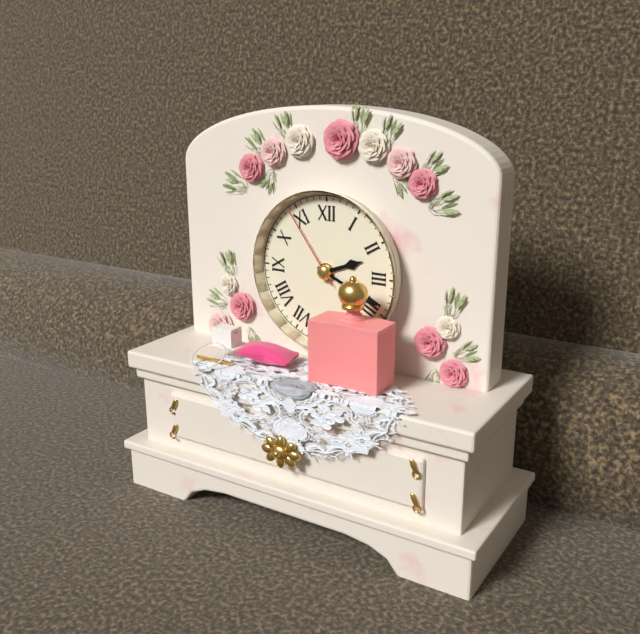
2:19:54
